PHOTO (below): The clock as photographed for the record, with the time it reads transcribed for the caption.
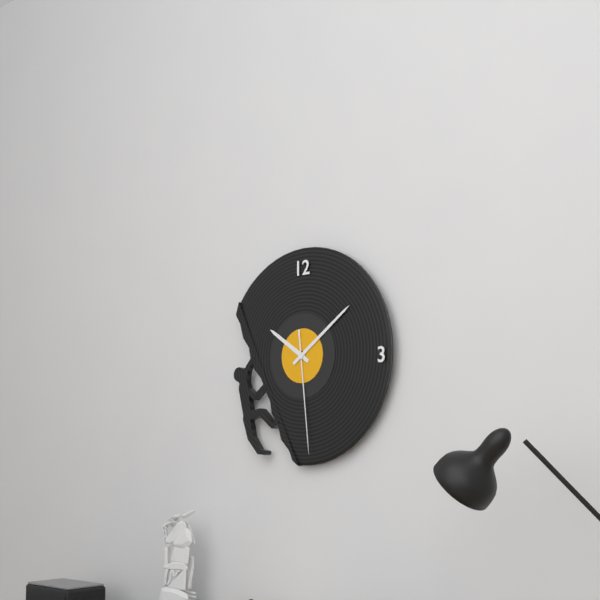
10:09:29
